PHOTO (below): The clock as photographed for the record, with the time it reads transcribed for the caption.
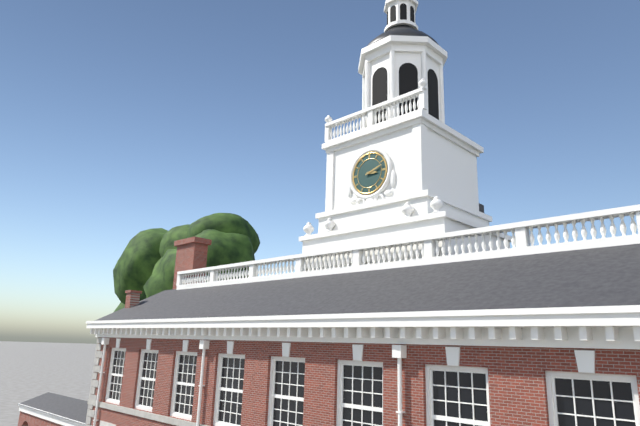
3:12
